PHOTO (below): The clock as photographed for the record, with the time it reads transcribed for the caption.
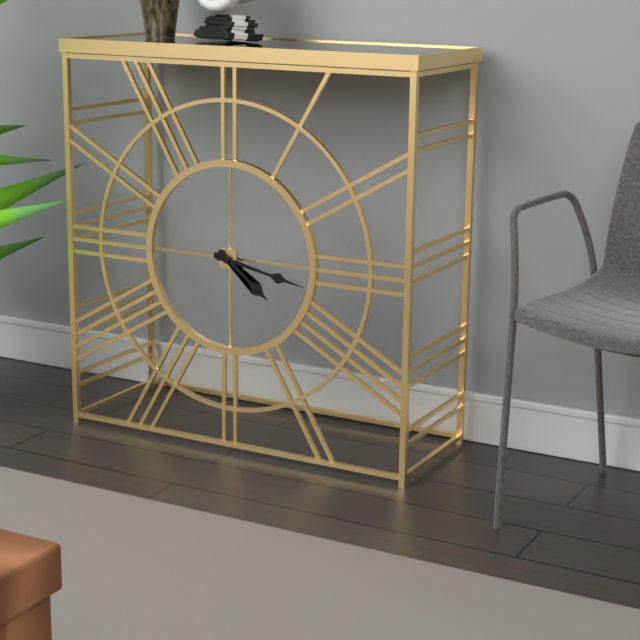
4:17
